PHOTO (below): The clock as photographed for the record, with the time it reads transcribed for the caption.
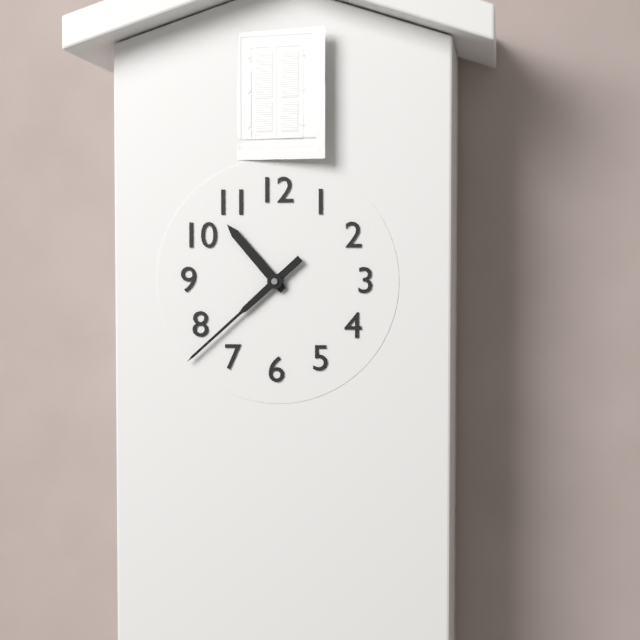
10:38
